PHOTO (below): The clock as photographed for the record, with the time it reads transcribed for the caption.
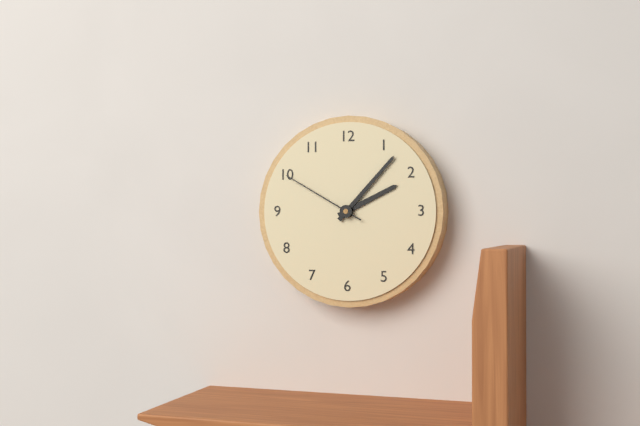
2:07:50
